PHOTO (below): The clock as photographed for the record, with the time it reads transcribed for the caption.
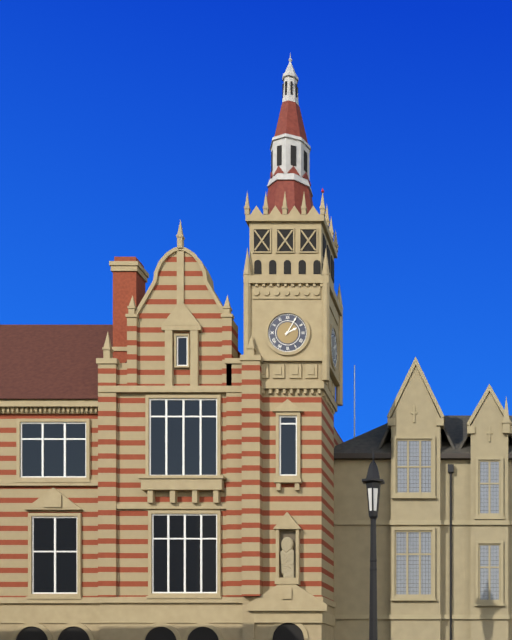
2:05
